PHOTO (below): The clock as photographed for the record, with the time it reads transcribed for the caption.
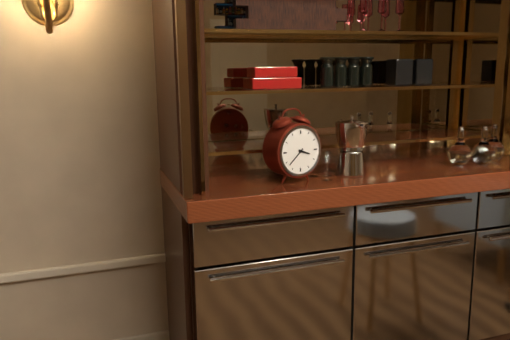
3:38
